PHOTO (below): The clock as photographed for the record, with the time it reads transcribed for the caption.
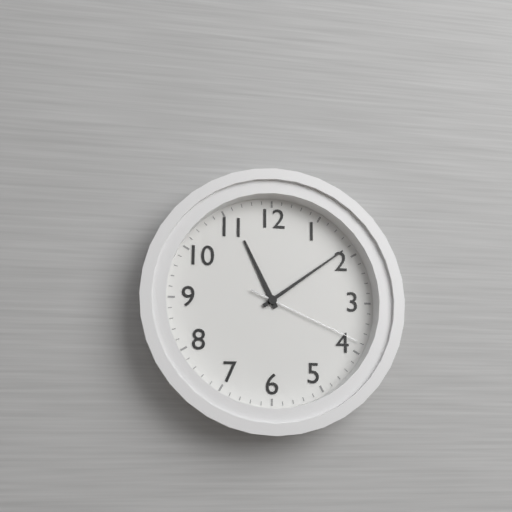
11:09:19
